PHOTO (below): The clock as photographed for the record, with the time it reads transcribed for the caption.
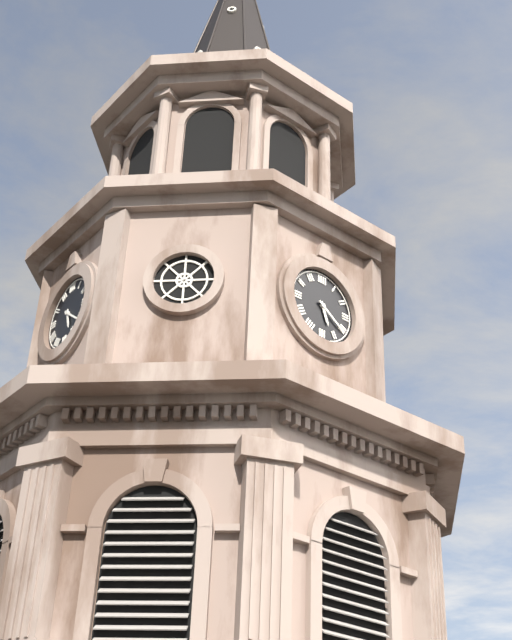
5:21
